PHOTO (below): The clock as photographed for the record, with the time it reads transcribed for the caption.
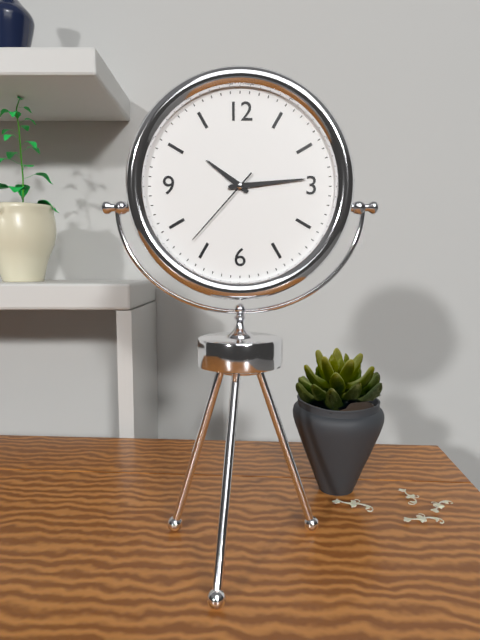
10:14:37
